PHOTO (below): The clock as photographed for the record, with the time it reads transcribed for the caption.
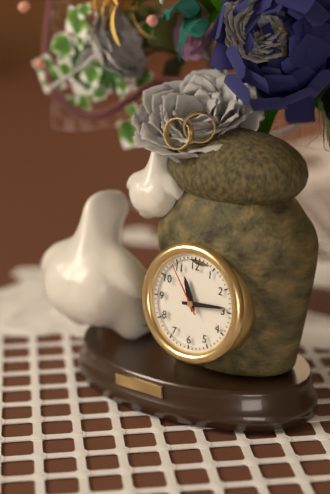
11:14:54
